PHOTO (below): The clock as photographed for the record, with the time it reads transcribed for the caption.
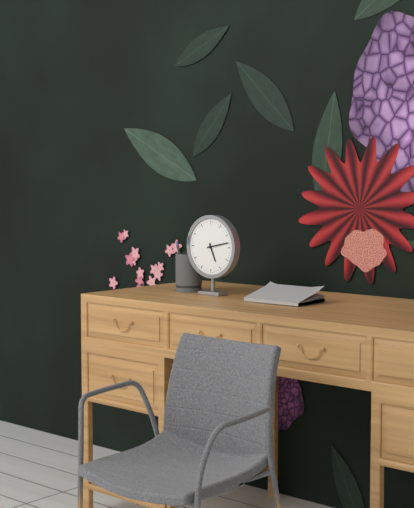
5:13
